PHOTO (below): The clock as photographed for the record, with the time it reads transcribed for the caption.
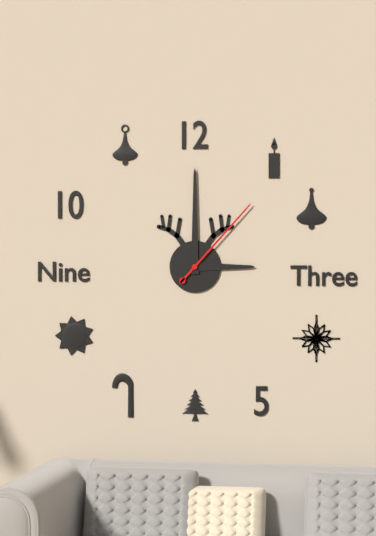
3:00:07
